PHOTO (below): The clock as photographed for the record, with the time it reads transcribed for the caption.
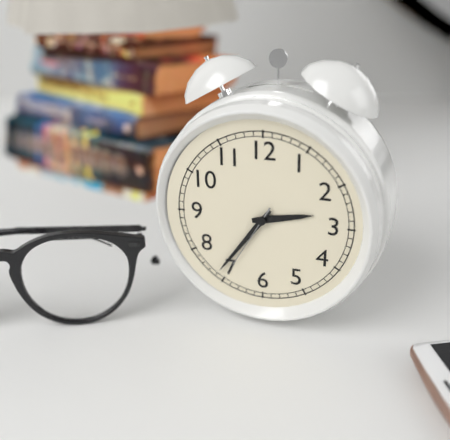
2:36:35
